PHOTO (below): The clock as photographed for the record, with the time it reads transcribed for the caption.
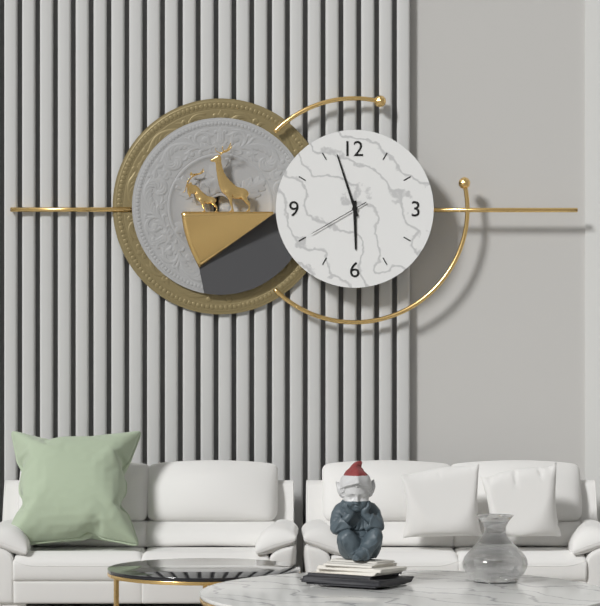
5:57:40
